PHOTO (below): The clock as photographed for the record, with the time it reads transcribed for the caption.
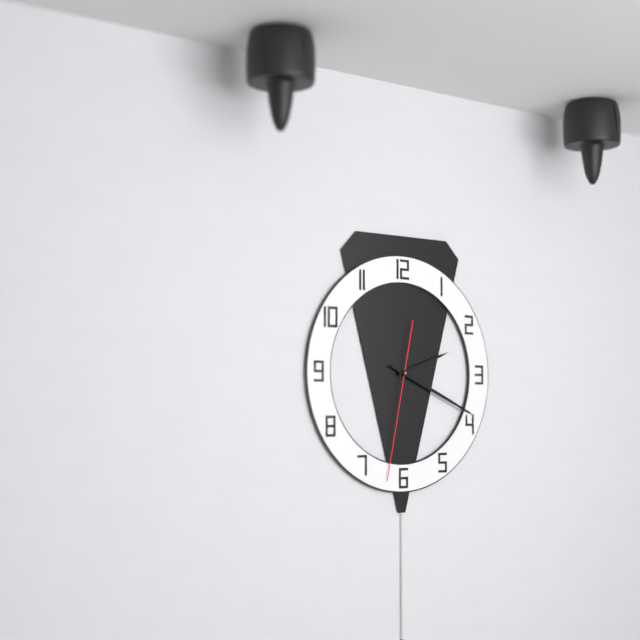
2:19:32
